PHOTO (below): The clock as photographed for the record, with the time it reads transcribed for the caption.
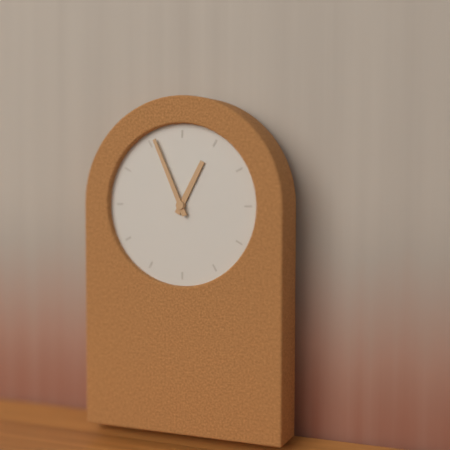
12:56
